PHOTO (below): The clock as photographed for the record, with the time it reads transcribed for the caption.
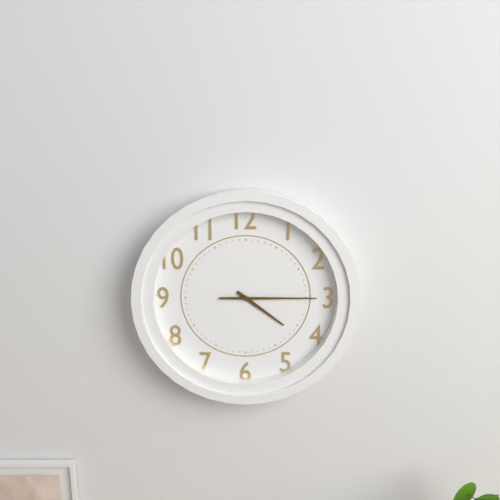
4:15
